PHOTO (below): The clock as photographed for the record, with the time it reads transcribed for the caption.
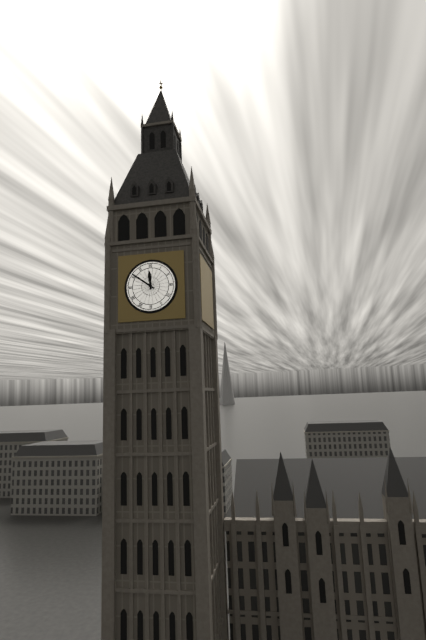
11:51
